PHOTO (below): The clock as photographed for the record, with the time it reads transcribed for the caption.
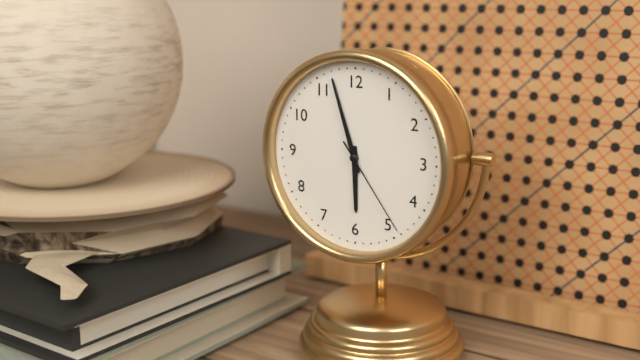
5:57:24
